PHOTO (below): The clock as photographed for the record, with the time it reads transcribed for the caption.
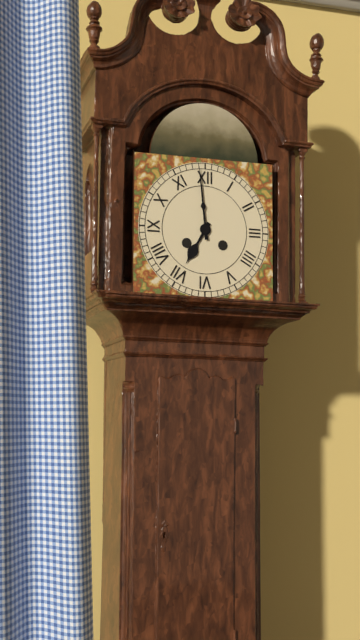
6:59
